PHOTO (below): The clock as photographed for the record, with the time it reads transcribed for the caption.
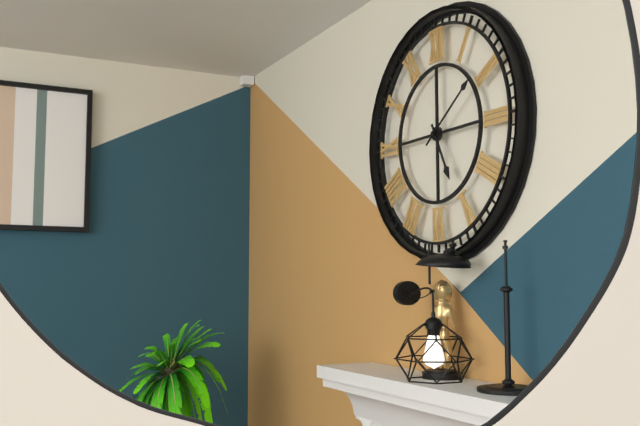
5:09
